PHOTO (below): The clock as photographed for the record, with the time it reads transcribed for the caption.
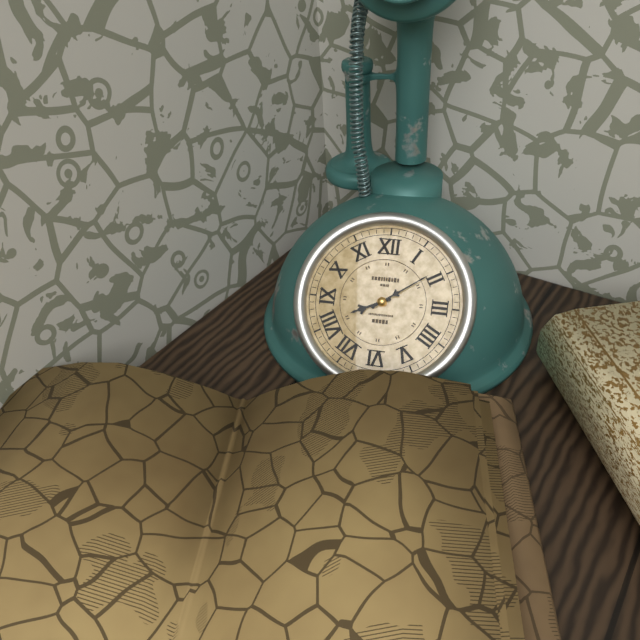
8:09
